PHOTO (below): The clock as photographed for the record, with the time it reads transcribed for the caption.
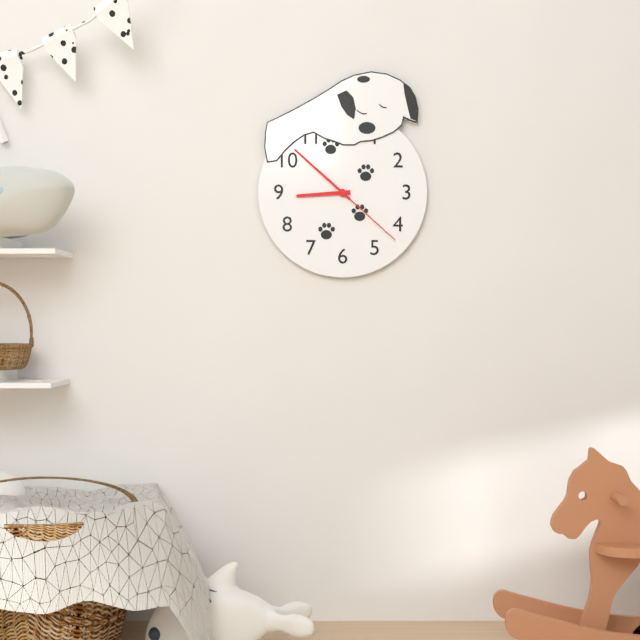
8:52:22
